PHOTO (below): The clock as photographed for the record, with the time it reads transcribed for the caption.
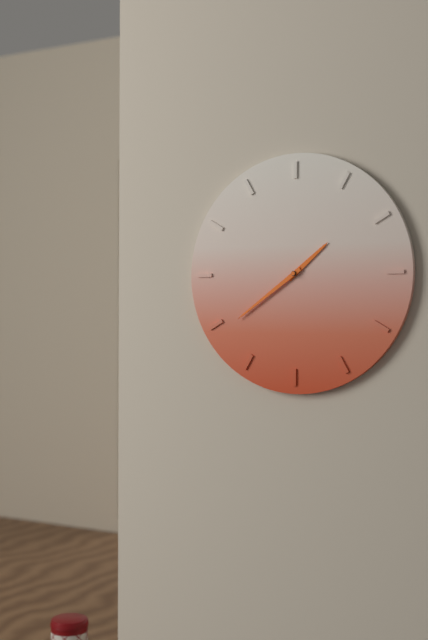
1:39
